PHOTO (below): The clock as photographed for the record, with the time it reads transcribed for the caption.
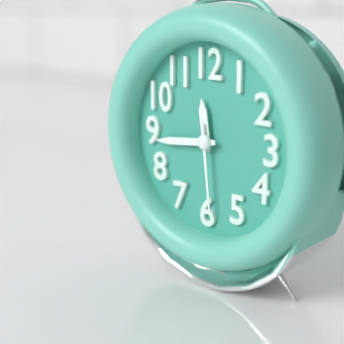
11:44:29
